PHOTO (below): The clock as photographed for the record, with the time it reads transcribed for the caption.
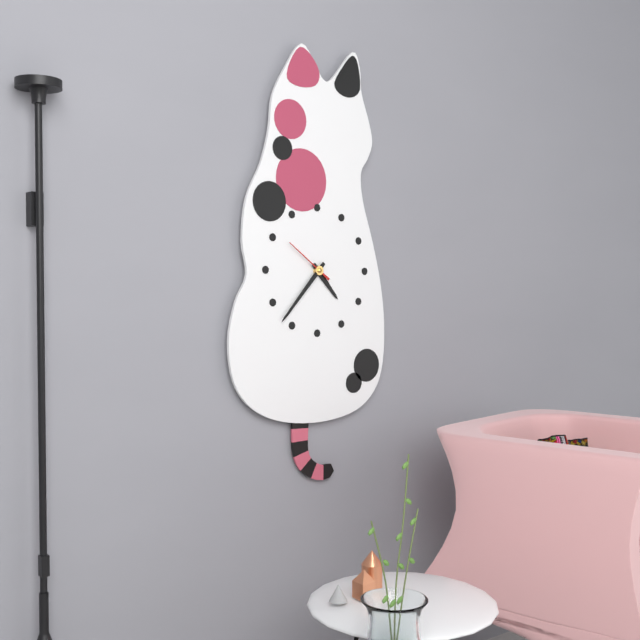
4:37
